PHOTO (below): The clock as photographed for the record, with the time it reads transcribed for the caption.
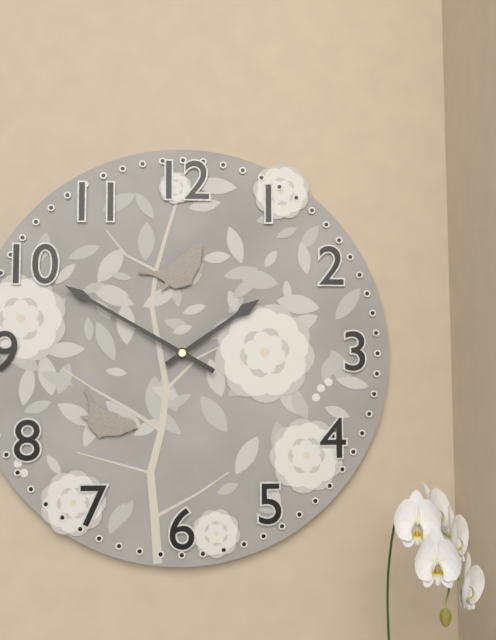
1:50
